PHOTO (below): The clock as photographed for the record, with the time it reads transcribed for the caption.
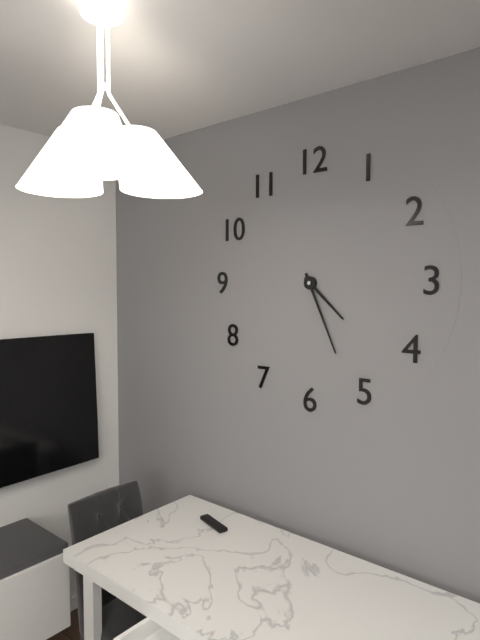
4:26
